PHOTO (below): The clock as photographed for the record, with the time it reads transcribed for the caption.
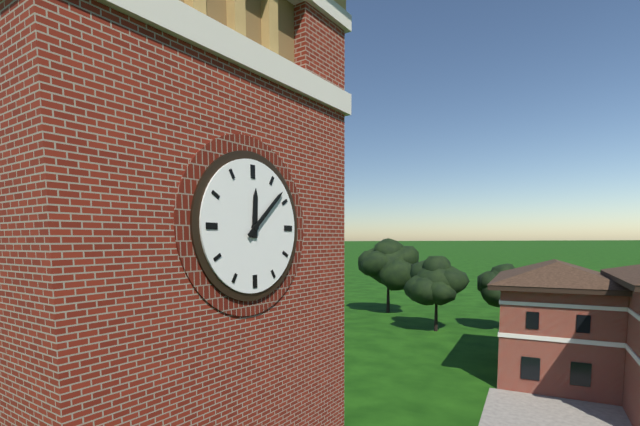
12:08
